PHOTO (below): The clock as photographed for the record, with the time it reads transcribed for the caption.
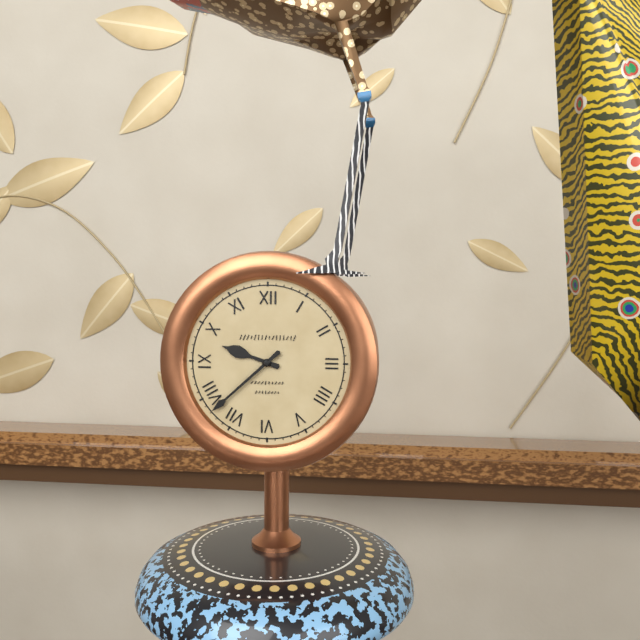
9:38
